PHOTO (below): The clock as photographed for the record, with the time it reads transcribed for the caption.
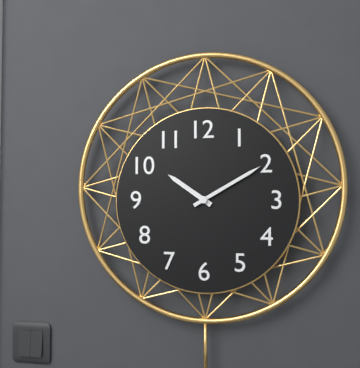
10:10
